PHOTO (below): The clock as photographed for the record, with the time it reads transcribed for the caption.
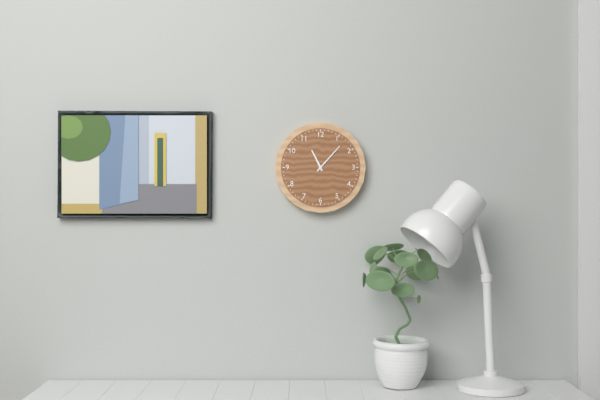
11:07
